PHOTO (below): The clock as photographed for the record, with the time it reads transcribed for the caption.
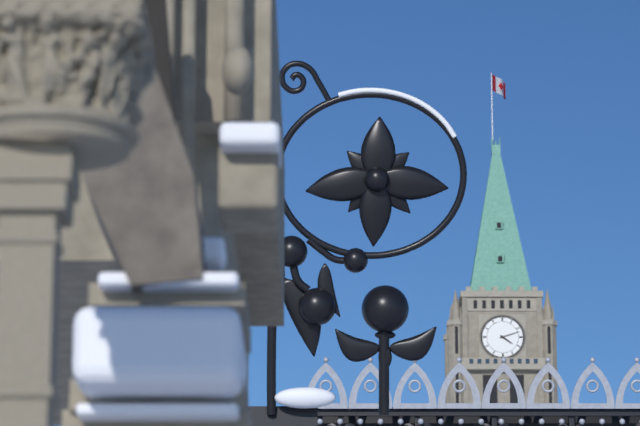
4:12
